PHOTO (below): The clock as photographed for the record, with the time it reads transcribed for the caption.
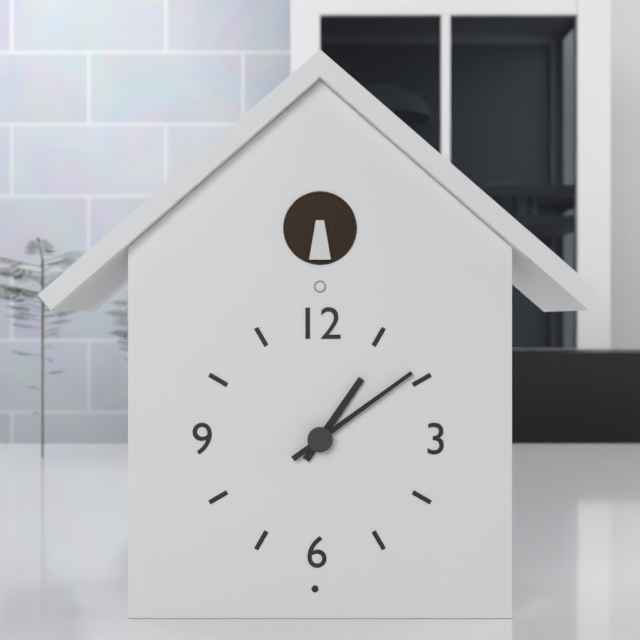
1:09
